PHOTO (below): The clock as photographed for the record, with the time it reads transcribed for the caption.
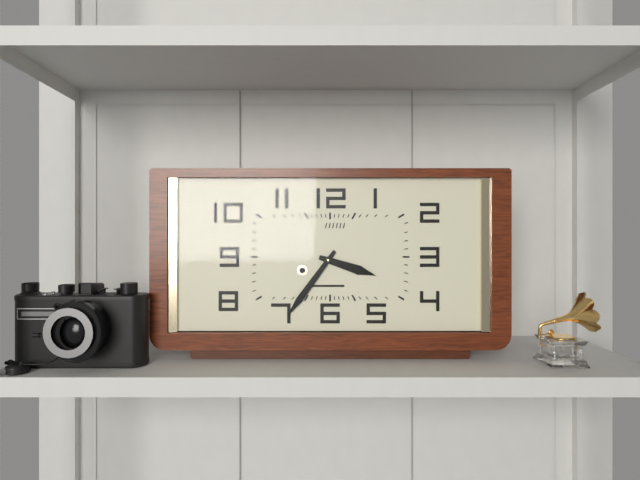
3:36
